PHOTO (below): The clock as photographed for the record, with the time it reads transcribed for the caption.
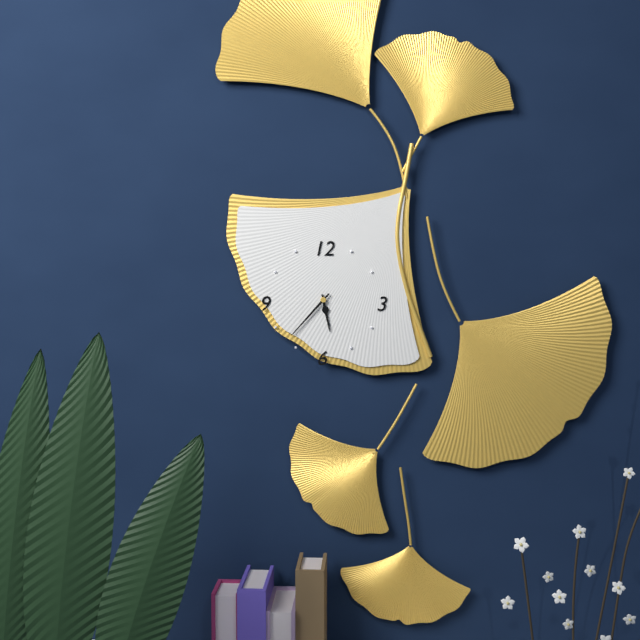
5:37
